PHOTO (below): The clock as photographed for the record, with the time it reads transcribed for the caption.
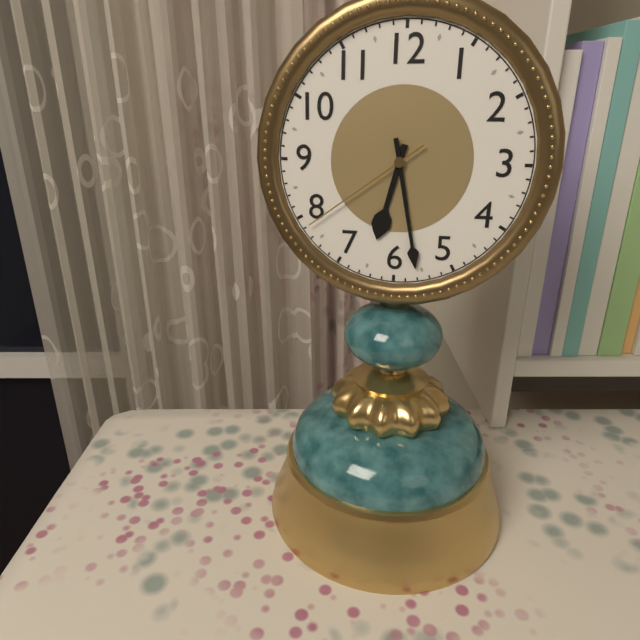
6:28:39
